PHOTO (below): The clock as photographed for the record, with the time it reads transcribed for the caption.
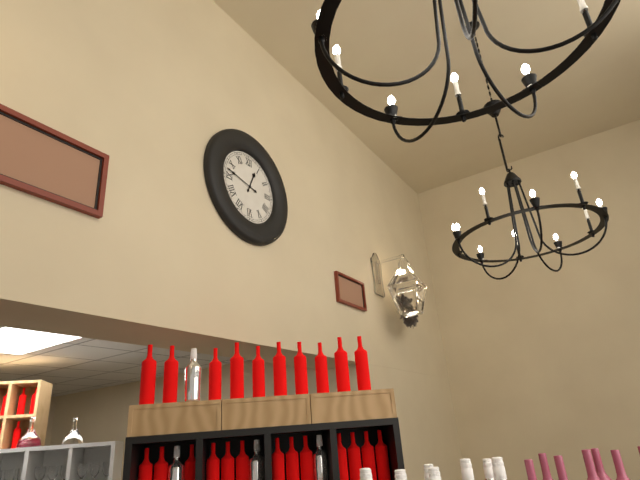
12:47
